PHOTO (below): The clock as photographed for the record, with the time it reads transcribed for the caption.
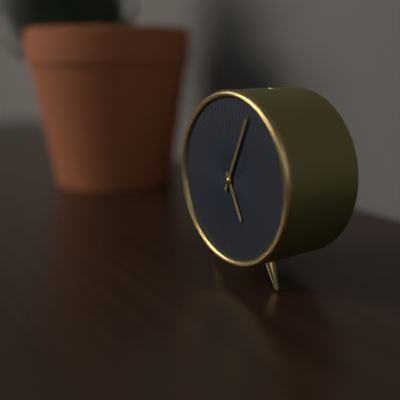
5:04
